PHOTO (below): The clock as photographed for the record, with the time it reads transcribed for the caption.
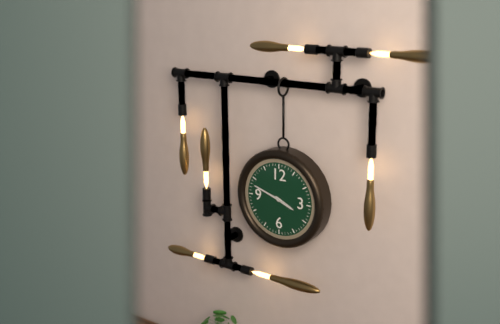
3:48
